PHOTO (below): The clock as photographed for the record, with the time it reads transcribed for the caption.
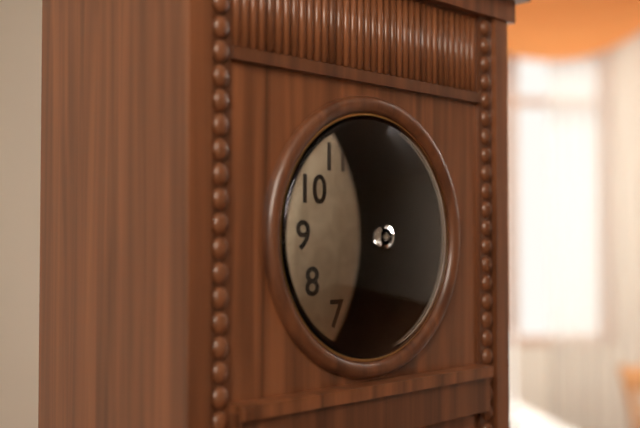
4:33
